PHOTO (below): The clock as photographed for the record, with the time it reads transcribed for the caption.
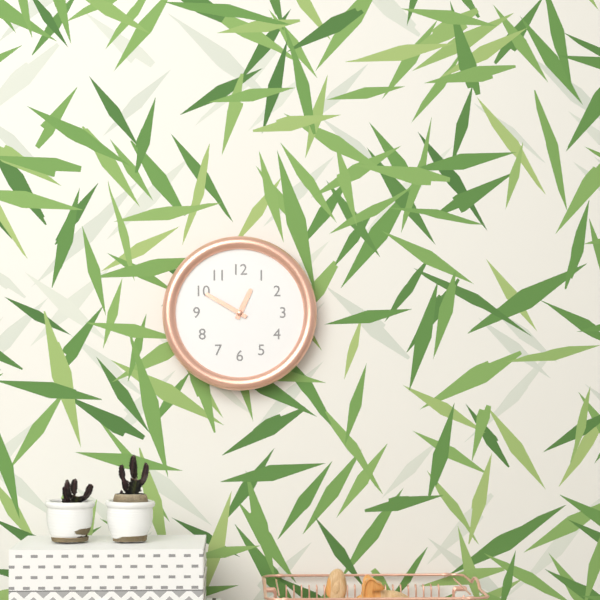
12:50
